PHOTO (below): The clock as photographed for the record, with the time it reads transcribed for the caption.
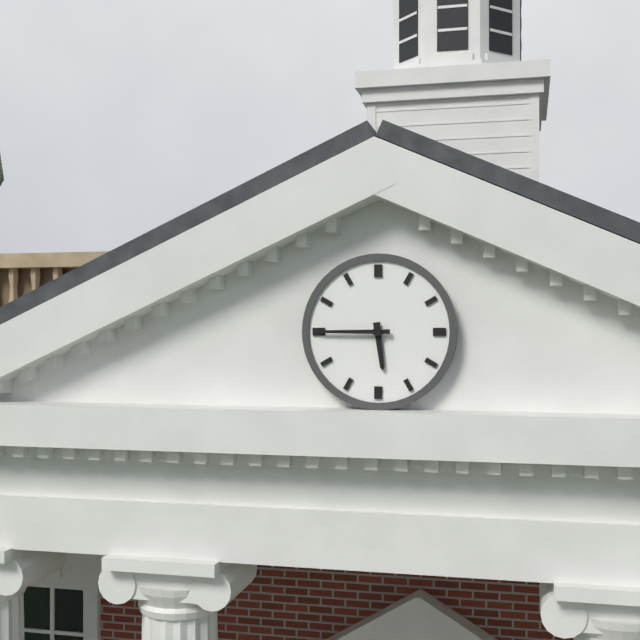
5:45
